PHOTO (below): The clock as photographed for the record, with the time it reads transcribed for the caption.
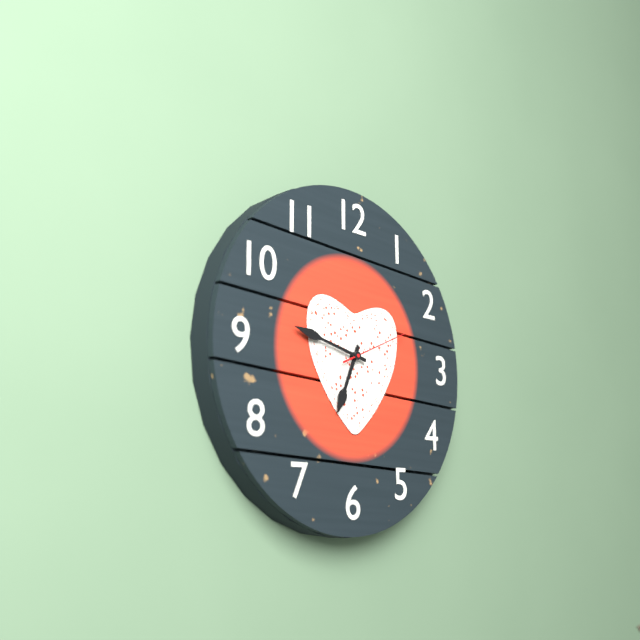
6:47:11
